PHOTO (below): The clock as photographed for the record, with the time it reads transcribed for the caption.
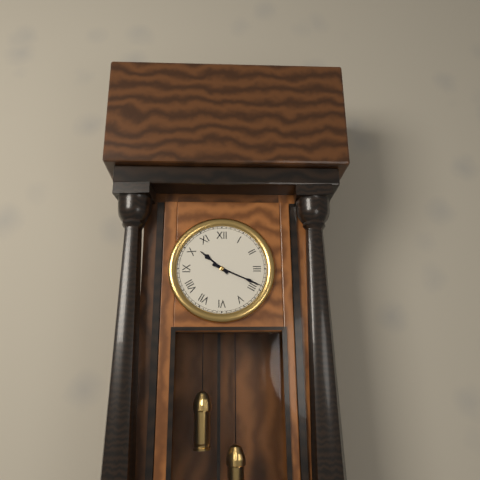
10:19
